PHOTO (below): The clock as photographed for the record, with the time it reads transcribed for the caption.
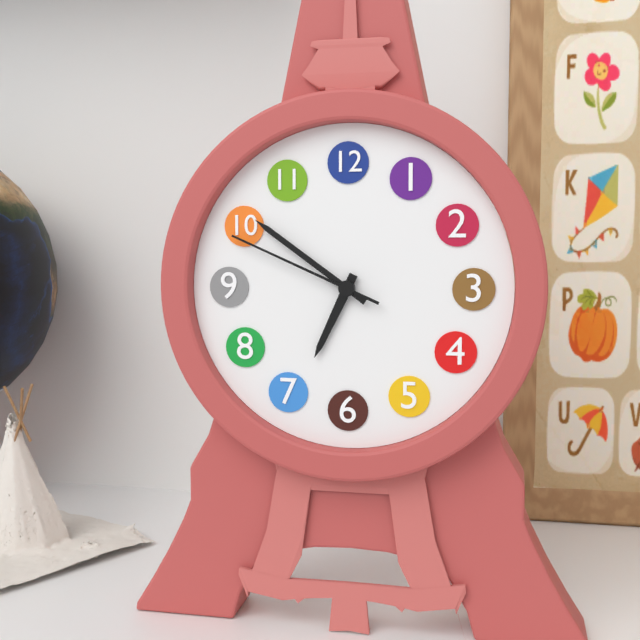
6:51:49
